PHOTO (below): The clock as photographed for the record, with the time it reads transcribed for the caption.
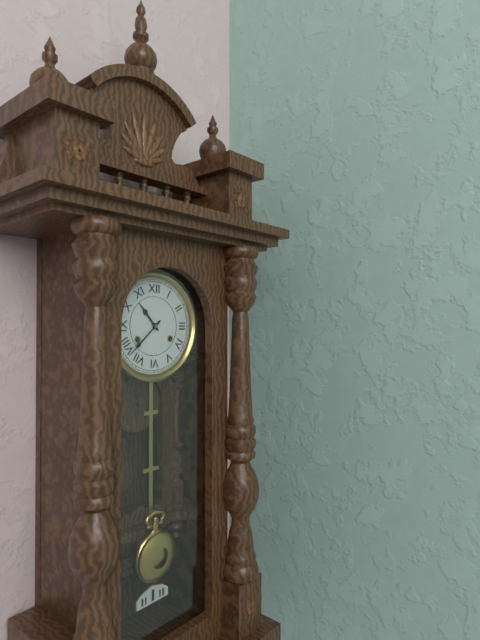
10:38
